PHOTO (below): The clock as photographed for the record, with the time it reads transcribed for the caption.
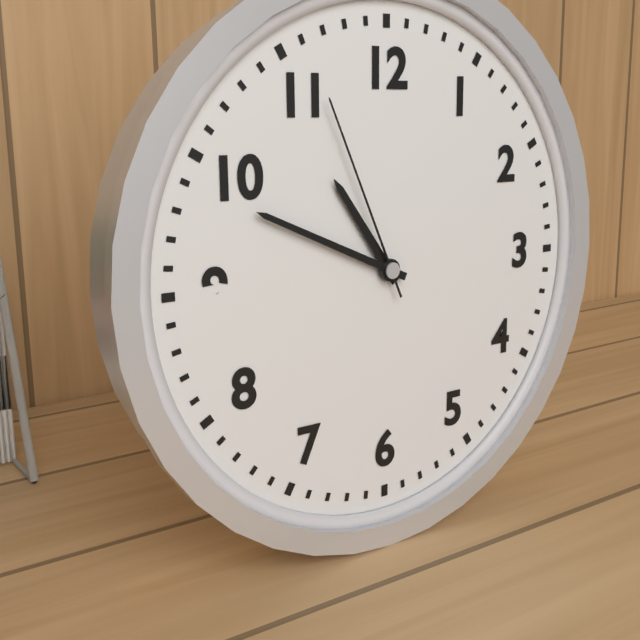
10:49:56
